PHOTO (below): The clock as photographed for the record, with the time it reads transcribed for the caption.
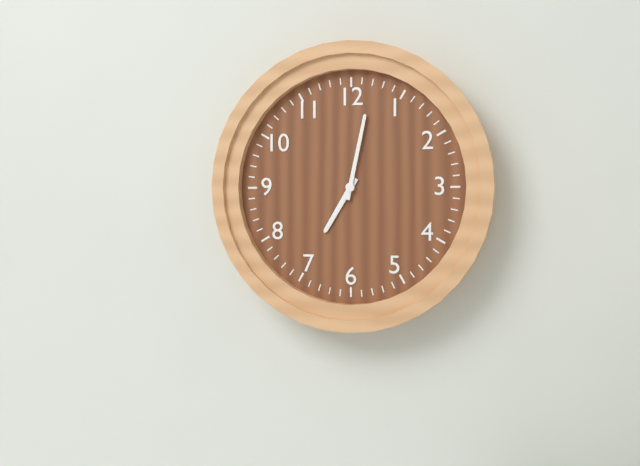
7:02
